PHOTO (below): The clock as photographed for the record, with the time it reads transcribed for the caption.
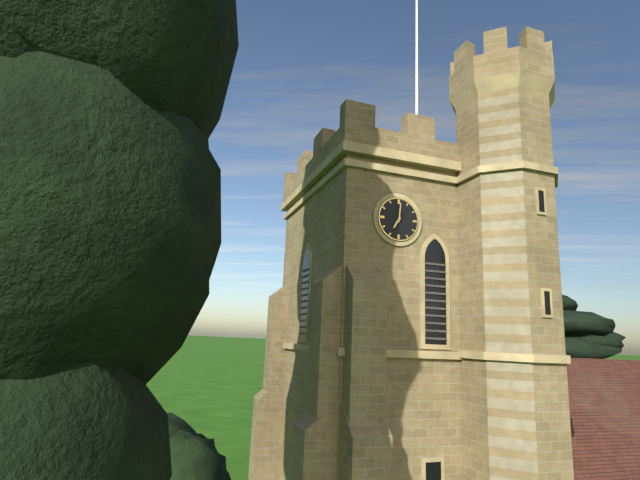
7:01
